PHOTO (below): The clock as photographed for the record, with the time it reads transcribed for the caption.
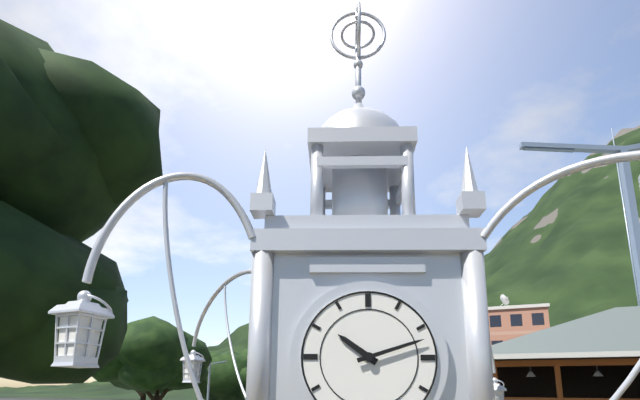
10:12
